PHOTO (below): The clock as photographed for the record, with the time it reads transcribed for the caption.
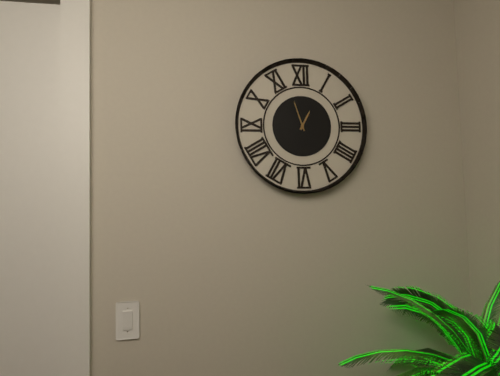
12:57
